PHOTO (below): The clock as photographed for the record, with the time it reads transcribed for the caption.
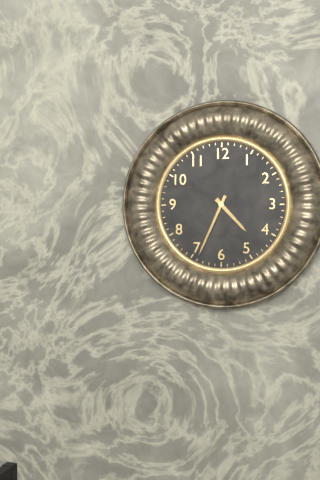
4:34
